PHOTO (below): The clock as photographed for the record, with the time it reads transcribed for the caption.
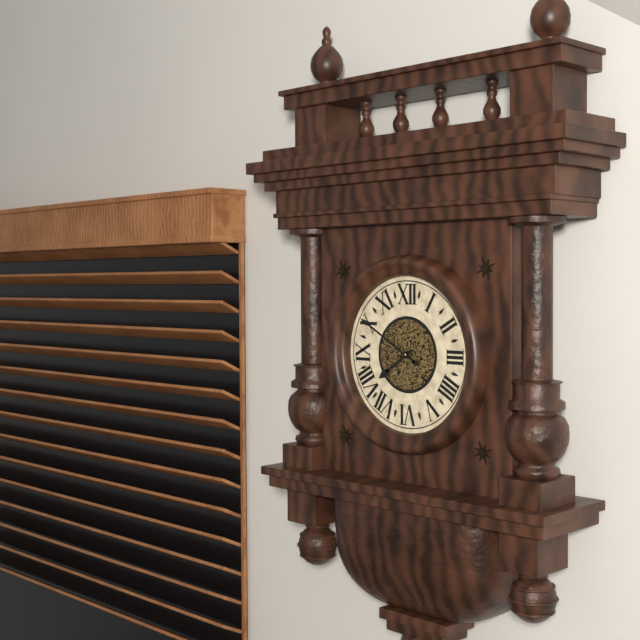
7:50
